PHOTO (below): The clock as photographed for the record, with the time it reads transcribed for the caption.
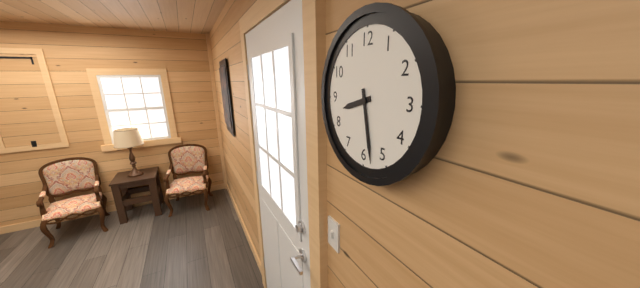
8:28
